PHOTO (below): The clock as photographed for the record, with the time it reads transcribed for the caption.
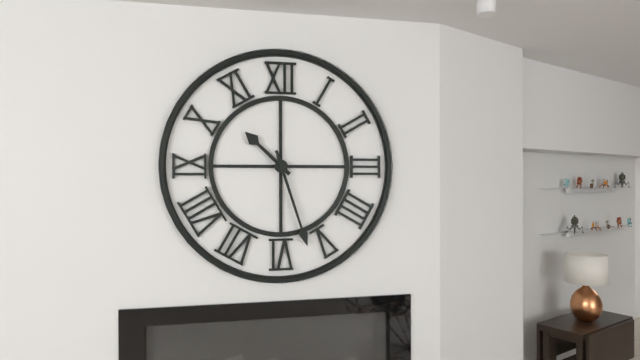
10:27
